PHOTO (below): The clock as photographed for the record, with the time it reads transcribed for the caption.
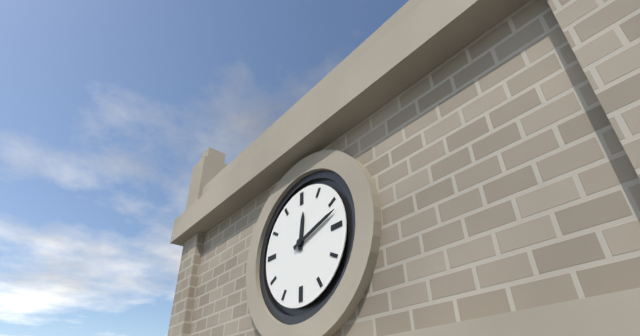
12:12
